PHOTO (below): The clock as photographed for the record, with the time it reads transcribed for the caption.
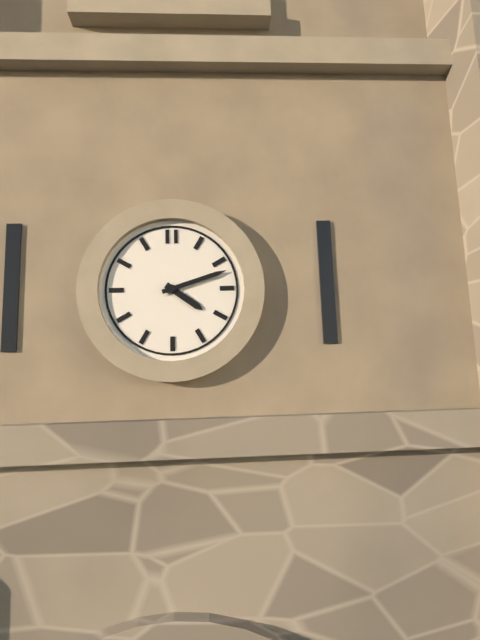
4:12
